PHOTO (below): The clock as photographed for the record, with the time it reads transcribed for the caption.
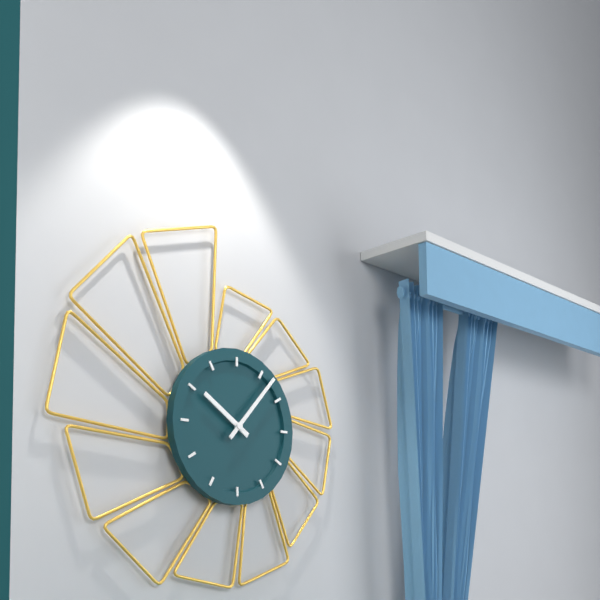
10:07
